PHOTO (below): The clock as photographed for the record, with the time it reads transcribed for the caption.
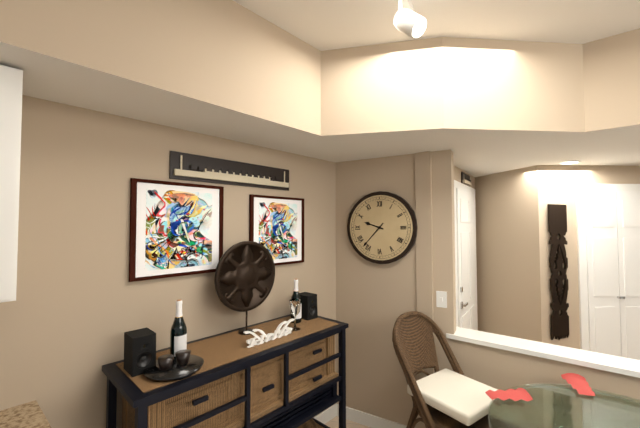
9:37
